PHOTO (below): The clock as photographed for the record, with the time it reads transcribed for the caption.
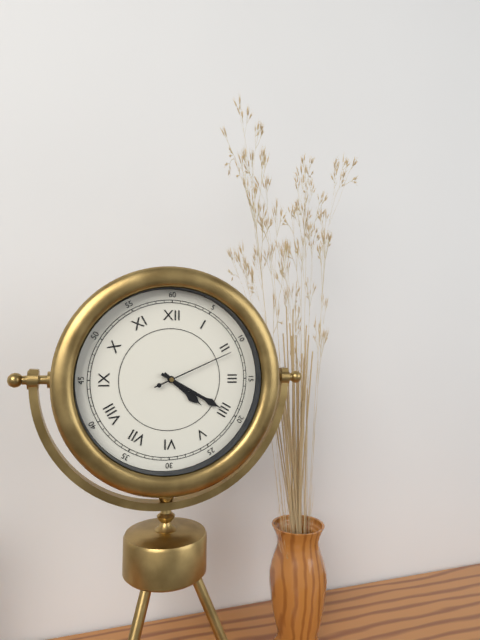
4:20:11
